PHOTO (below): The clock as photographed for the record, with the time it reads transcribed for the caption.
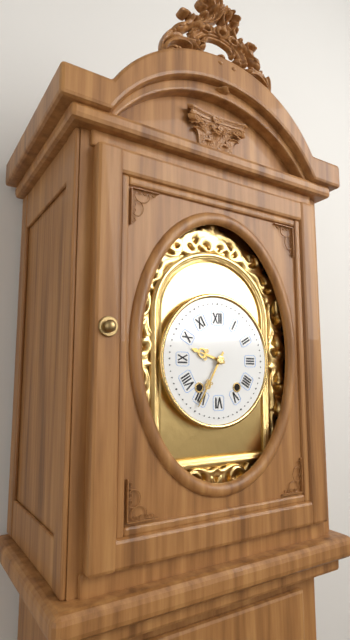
9:35
